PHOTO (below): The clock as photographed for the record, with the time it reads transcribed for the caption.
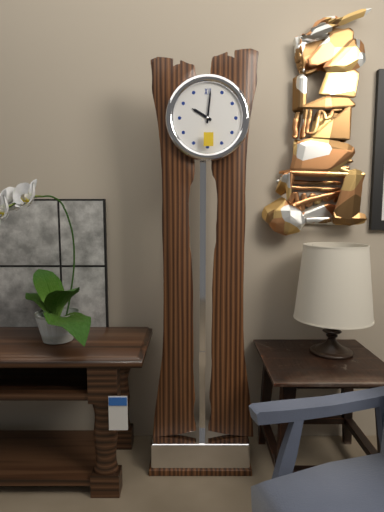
10:01
